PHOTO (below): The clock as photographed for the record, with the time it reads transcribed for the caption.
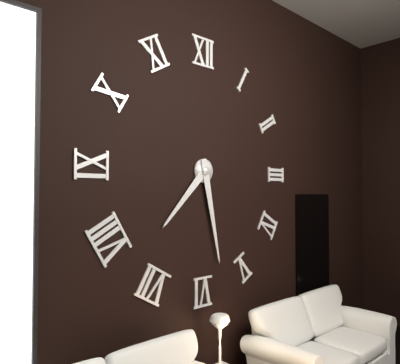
7:28
